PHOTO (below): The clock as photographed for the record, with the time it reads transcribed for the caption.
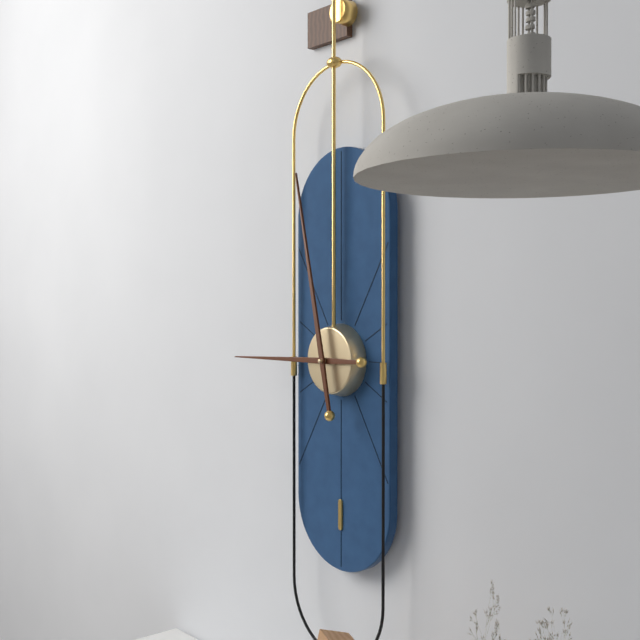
8:58
